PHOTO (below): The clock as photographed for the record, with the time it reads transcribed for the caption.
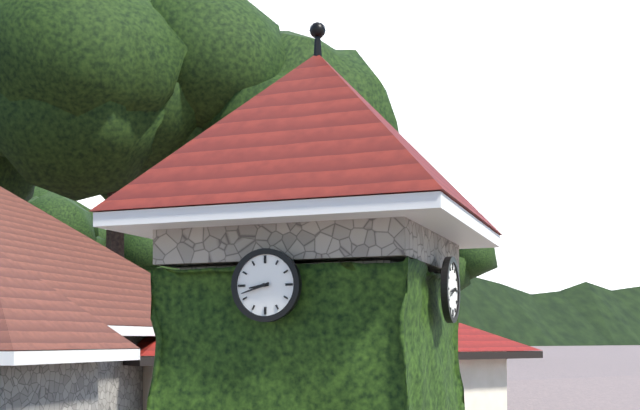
8:42
